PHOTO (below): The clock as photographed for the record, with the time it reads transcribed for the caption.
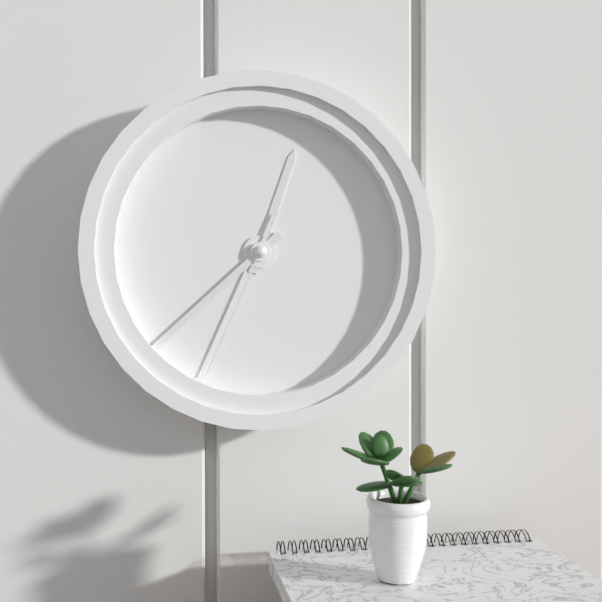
12:38:34
